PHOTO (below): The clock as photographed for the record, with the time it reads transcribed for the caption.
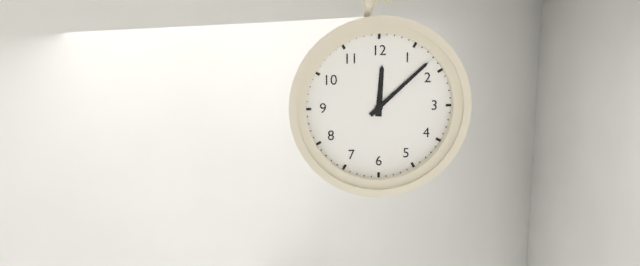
12:08
